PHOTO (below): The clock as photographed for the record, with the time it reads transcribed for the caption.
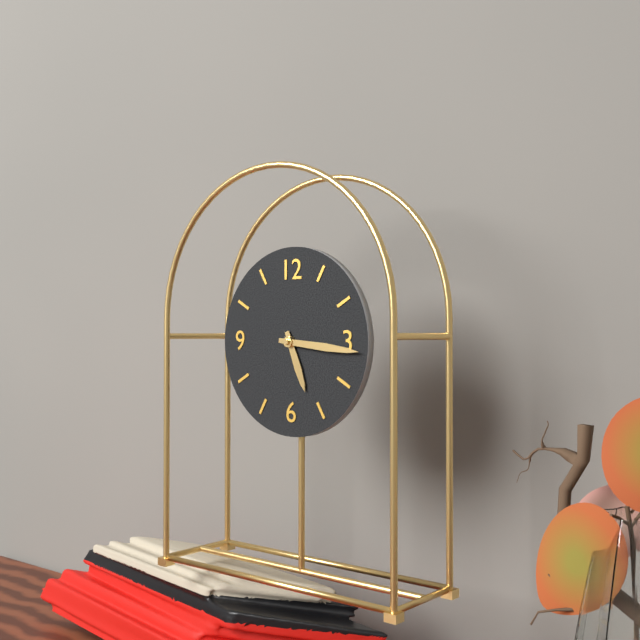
5:16
